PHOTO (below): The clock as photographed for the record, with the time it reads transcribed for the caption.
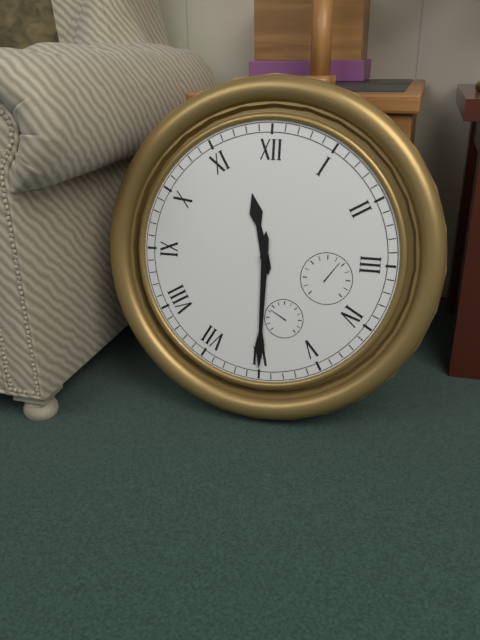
11:30
